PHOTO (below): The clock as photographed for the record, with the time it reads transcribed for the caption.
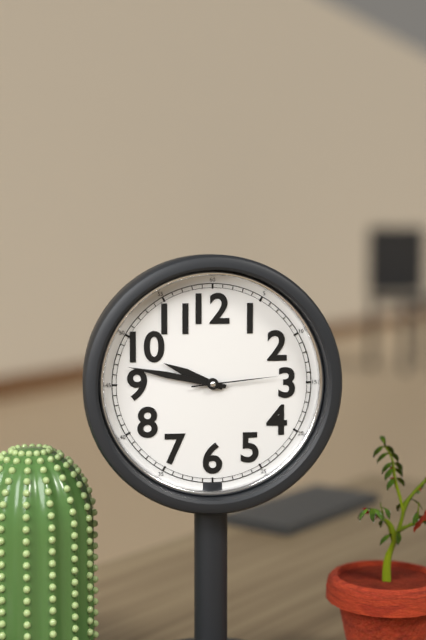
9:47:14
